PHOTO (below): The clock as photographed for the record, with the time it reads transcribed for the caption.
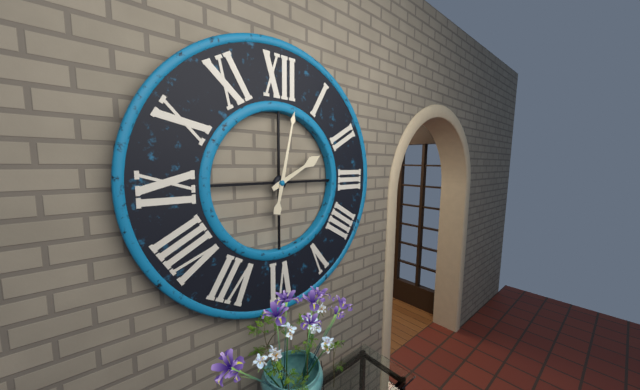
2:02
